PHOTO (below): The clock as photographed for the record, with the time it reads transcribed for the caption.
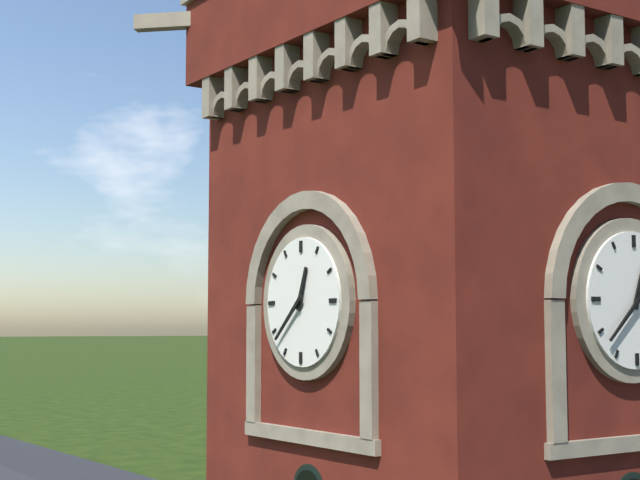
12:38
